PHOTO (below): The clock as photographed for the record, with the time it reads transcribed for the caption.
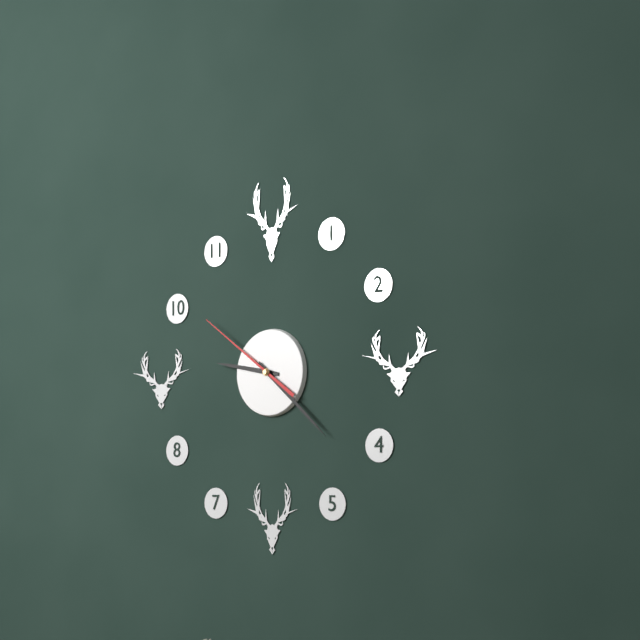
9:22:51
